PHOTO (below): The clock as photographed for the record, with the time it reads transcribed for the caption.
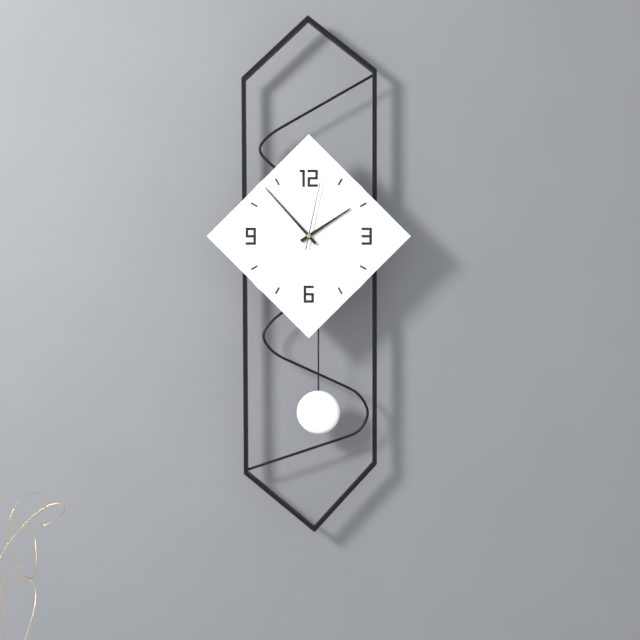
1:53:02
